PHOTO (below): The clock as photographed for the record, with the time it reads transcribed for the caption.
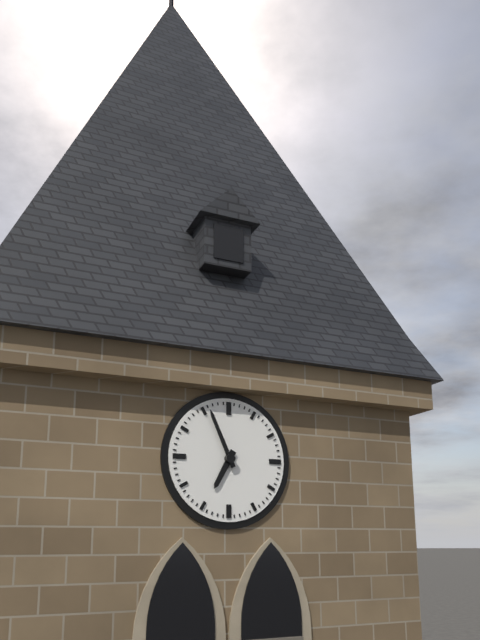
6:56
